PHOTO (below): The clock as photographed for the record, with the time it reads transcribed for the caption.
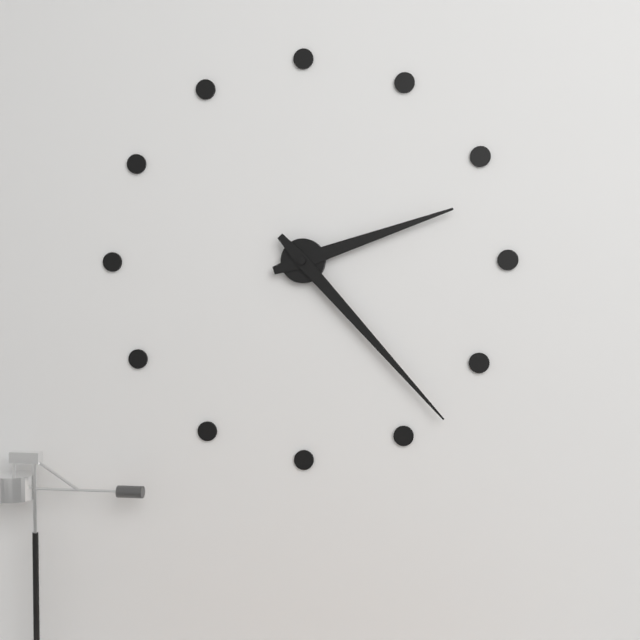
2:23
